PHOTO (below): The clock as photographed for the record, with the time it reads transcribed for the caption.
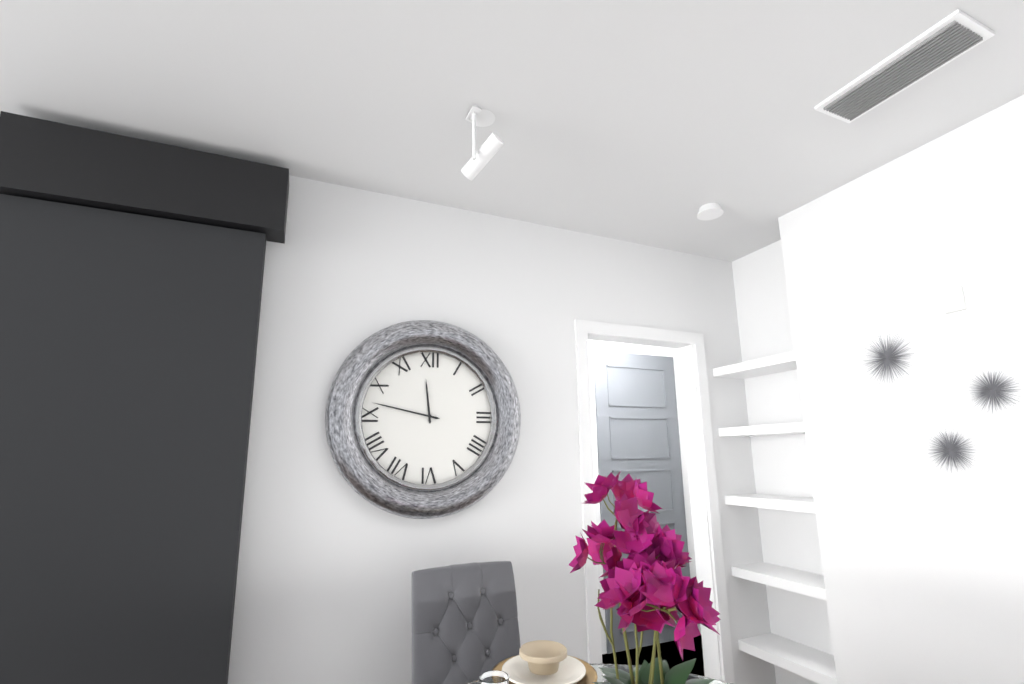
11:47
